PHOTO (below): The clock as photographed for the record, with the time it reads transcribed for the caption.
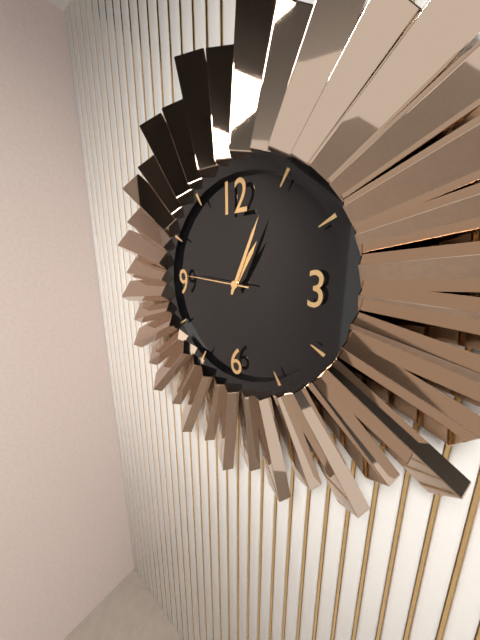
1:04:46
